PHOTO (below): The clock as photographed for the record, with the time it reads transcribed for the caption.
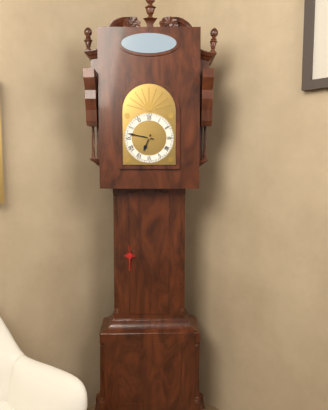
6:47
